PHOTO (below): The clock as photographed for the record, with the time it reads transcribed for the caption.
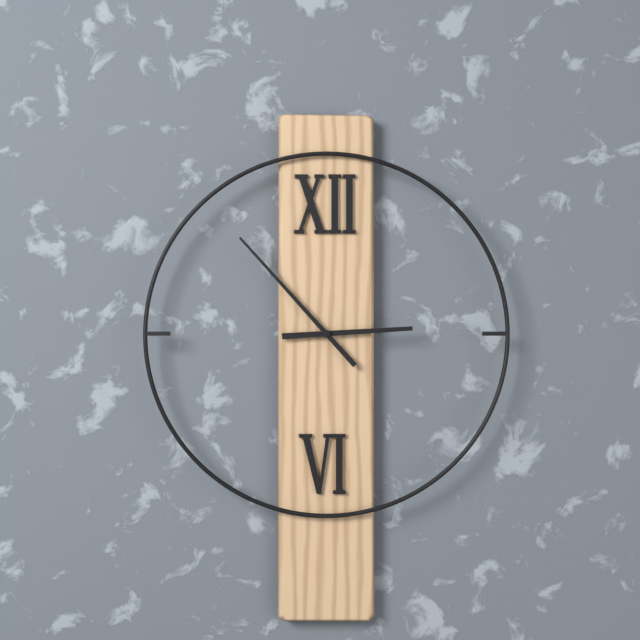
2:53
